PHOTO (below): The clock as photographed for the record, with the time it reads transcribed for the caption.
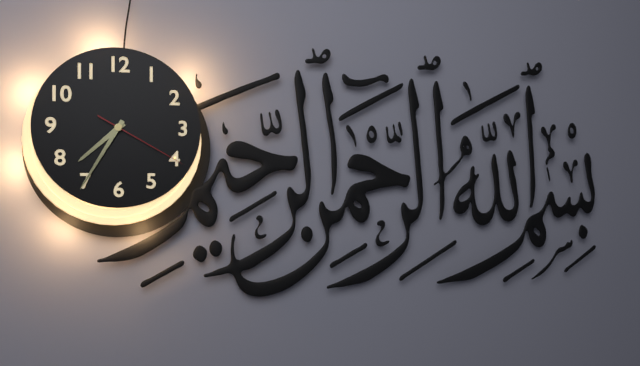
7:35:20
